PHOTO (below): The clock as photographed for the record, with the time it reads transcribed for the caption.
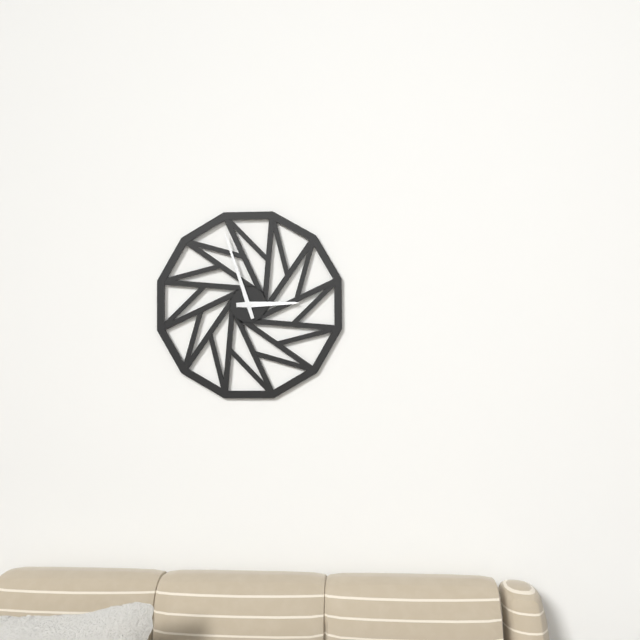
2:57
